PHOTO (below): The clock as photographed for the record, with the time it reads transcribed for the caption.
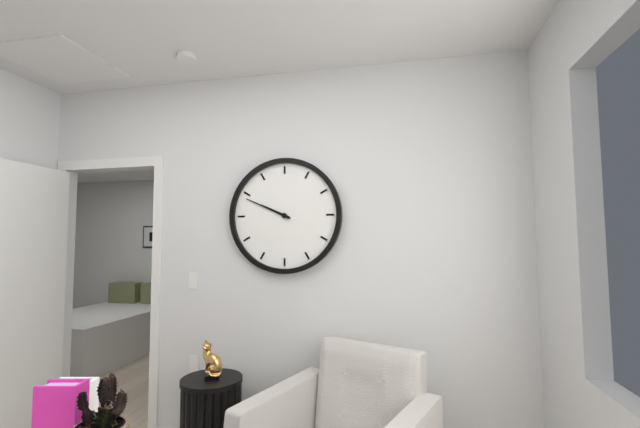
9:49
